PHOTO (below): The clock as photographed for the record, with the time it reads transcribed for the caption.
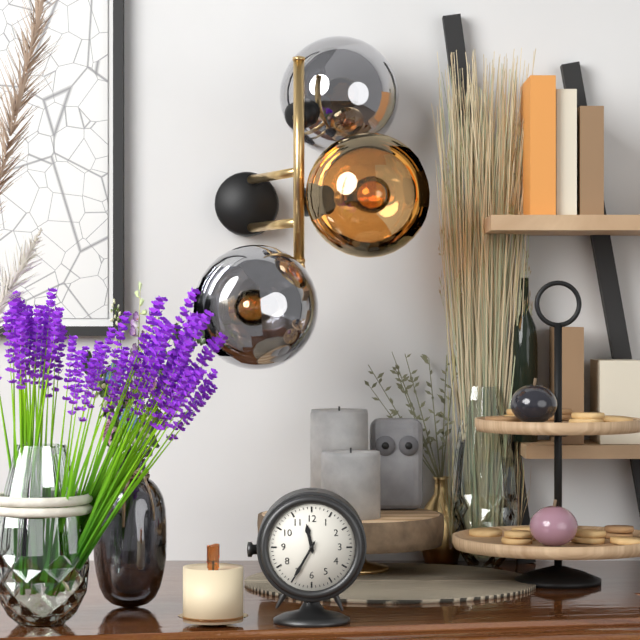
11:35
